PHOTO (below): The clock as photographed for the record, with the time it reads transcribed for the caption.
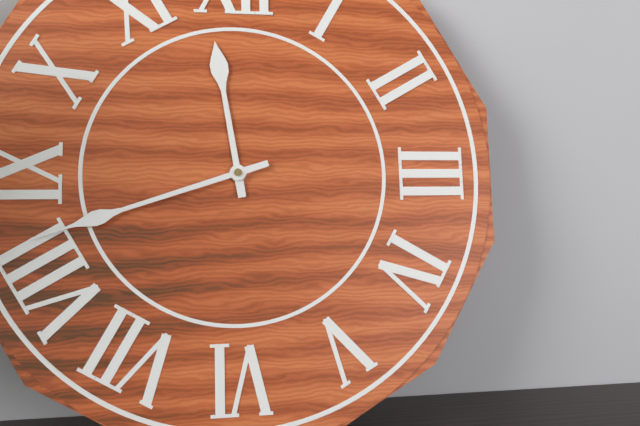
11:42
